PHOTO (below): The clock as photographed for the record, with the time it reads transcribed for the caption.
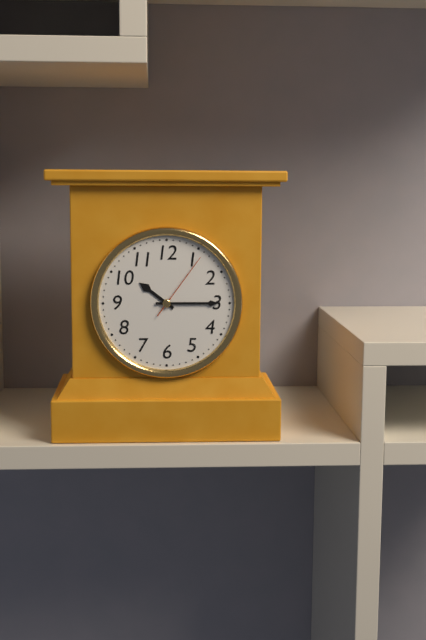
10:15:06
